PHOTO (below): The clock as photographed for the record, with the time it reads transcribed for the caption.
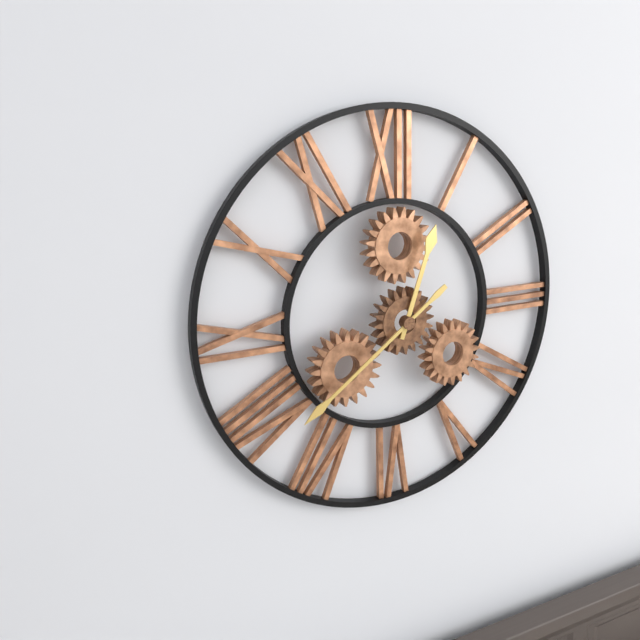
12:39
